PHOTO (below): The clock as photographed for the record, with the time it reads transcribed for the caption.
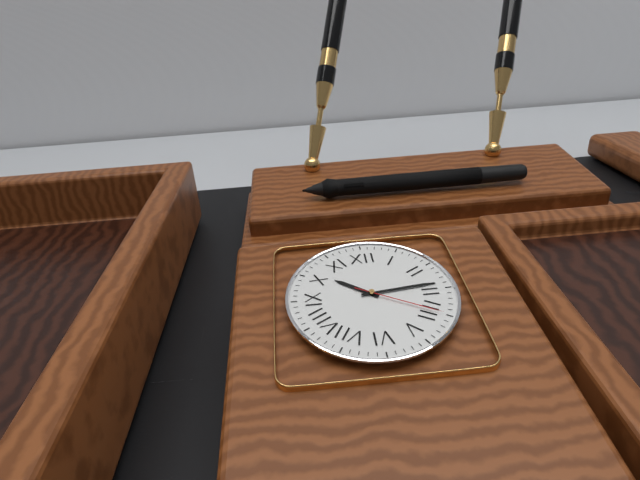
10:14:20
